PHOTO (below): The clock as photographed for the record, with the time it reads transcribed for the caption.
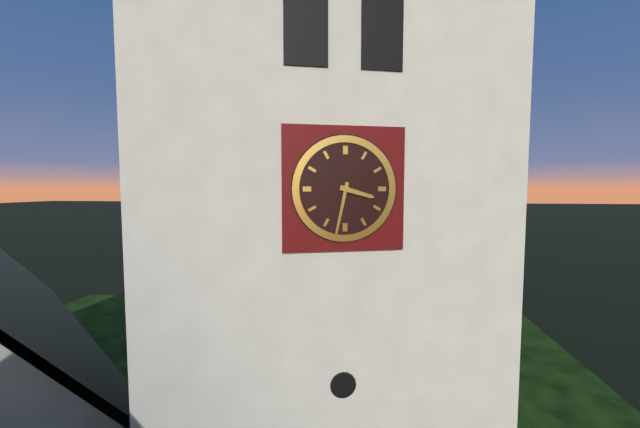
3:32
